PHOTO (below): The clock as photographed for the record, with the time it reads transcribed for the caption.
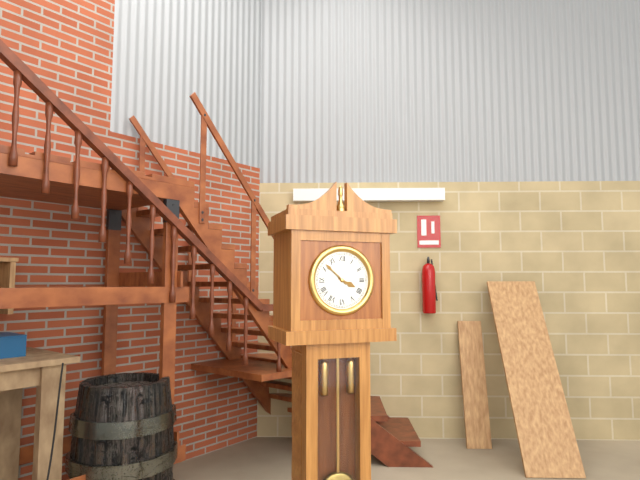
3:52
